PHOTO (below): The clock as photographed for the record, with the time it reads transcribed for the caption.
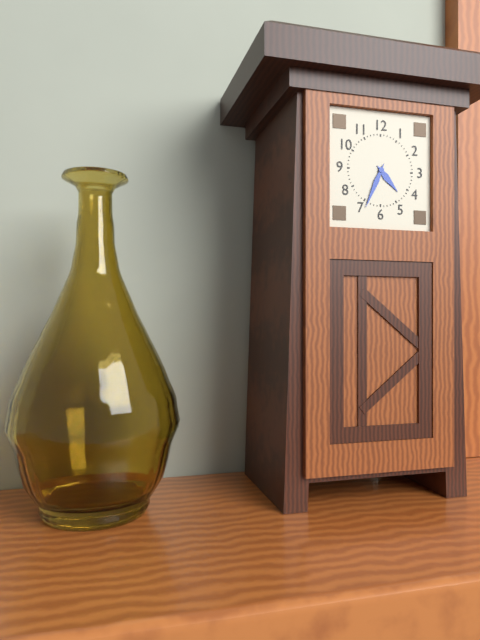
4:34
